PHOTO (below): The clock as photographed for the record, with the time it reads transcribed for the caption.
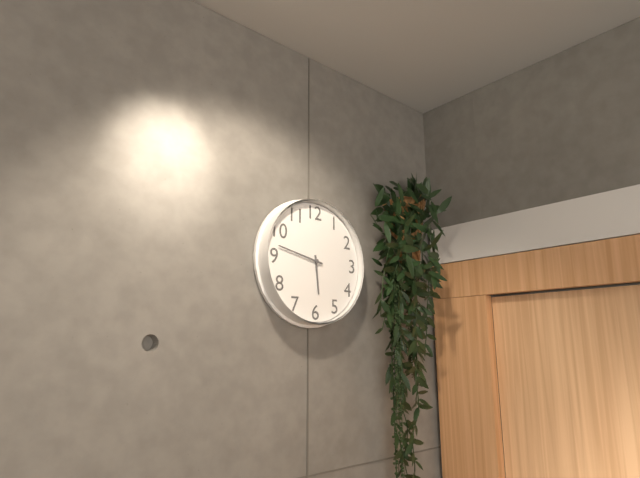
5:47
